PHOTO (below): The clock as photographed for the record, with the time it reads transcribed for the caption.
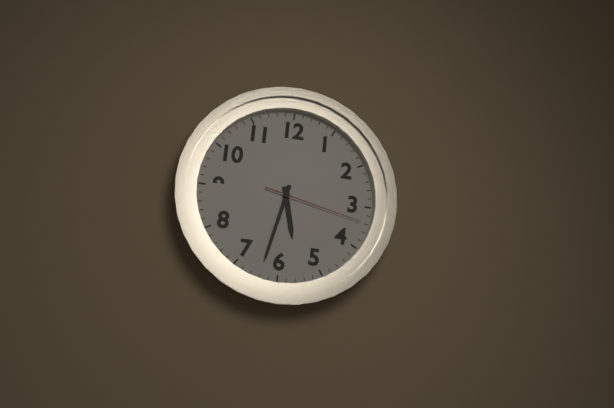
5:32:17
